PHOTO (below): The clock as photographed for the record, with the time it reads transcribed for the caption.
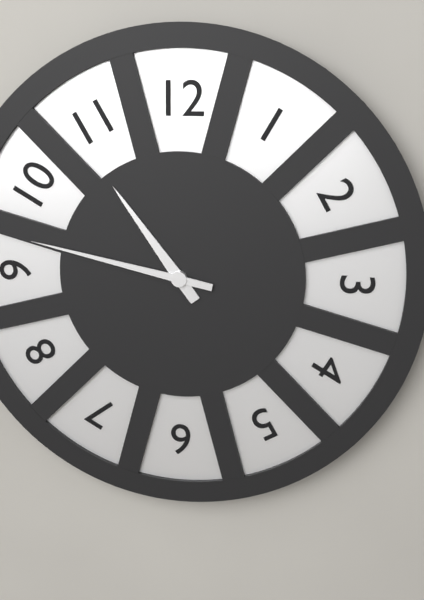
10:47
